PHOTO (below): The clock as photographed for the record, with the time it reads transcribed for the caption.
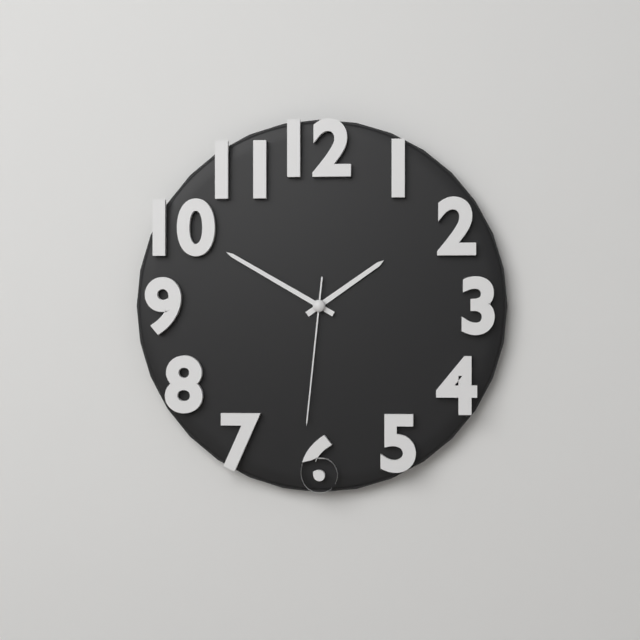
1:50:31
